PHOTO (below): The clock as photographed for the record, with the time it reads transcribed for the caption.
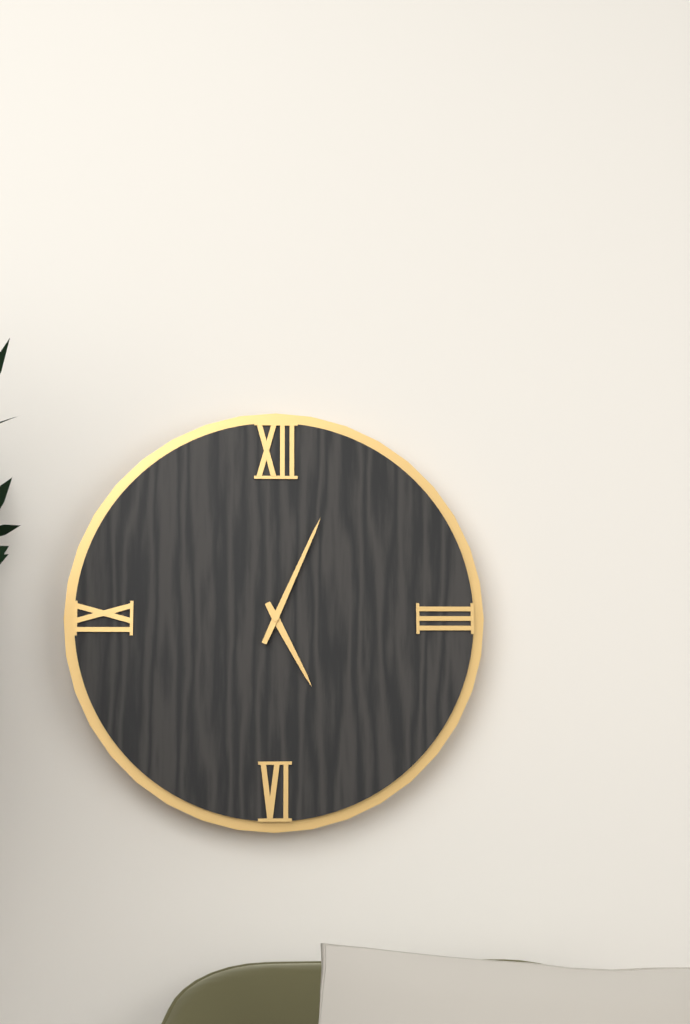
5:04
